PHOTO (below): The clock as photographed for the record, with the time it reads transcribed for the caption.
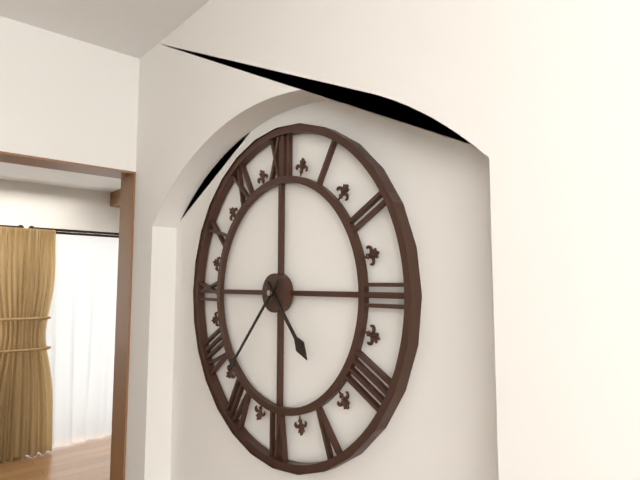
4:37
